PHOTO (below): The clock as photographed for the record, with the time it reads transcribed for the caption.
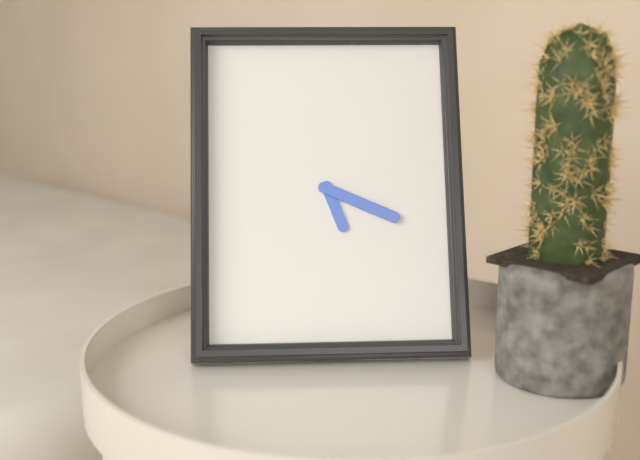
5:19
